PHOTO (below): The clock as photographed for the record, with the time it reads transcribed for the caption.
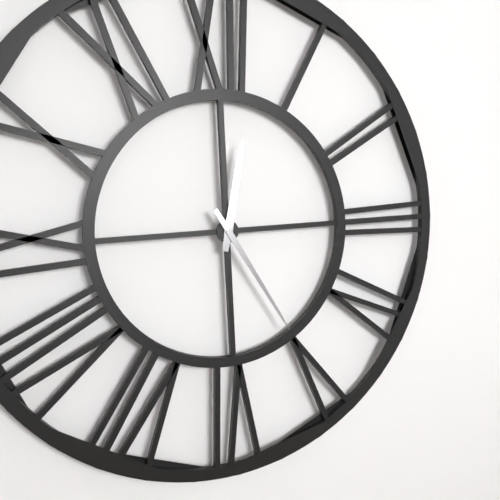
12:25
